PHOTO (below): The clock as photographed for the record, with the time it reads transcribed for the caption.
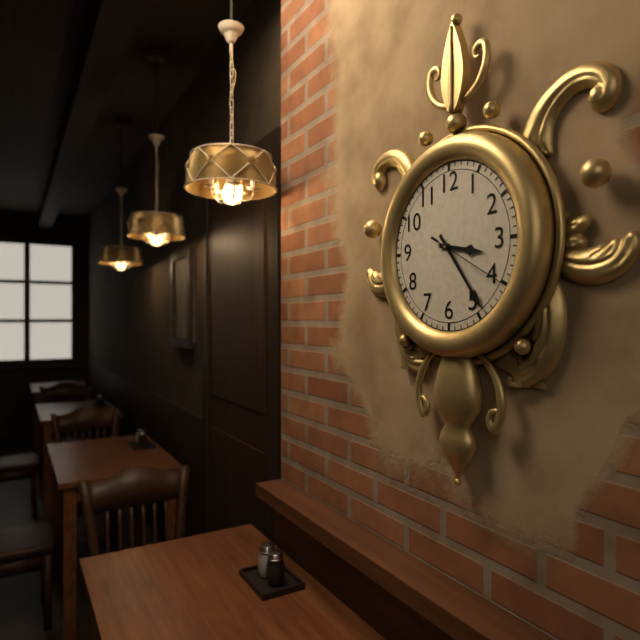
3:24:20
